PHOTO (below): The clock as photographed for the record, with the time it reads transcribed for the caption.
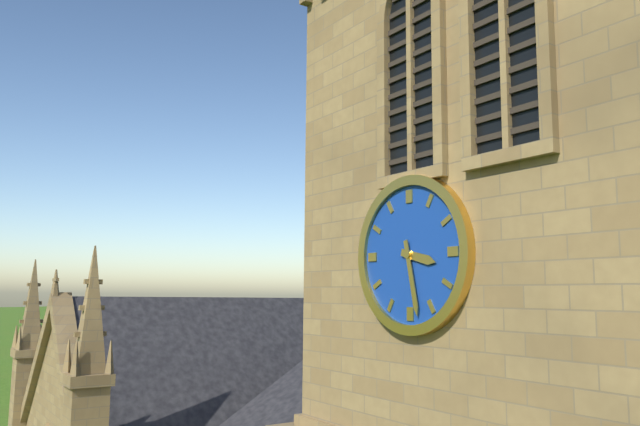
3:28
